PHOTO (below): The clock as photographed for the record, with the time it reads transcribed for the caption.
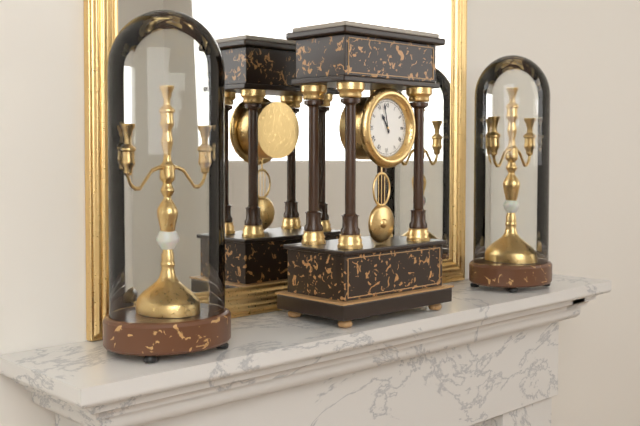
10:58
